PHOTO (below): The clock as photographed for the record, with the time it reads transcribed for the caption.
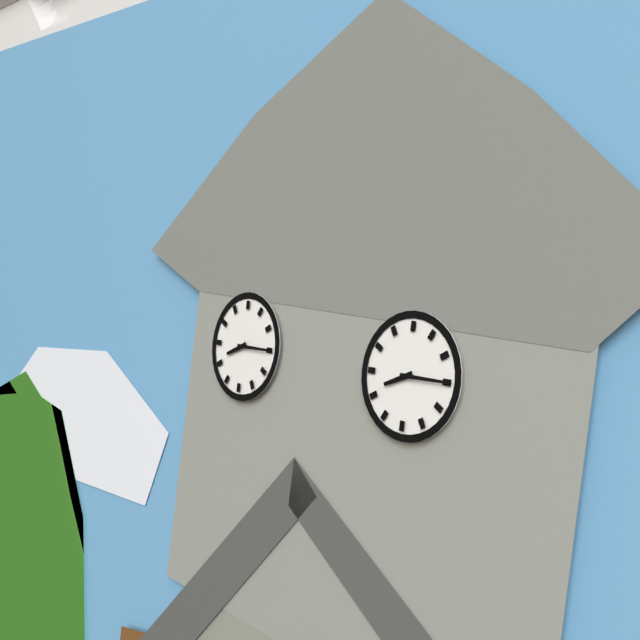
8:15
